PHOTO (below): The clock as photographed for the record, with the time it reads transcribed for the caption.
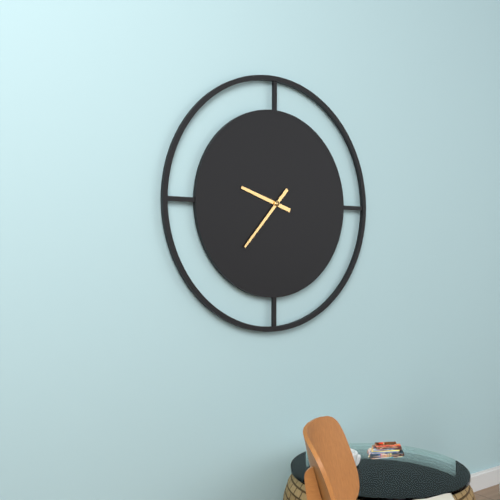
9:37
